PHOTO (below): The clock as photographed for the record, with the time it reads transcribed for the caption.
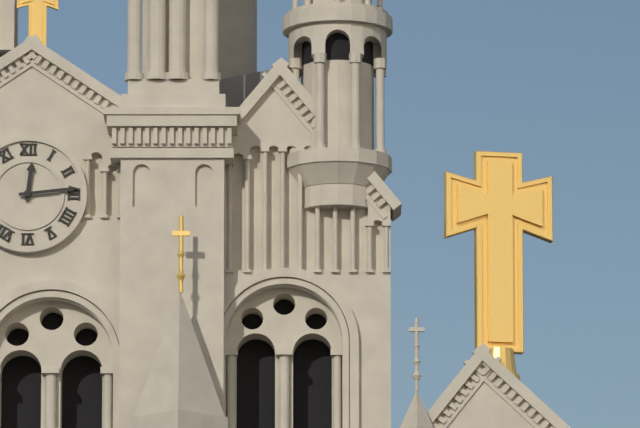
12:14
